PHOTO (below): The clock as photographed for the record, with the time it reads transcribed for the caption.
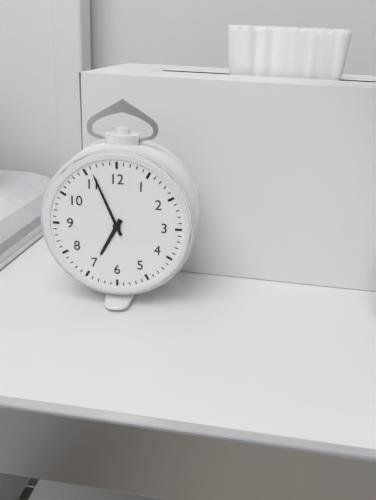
6:56
